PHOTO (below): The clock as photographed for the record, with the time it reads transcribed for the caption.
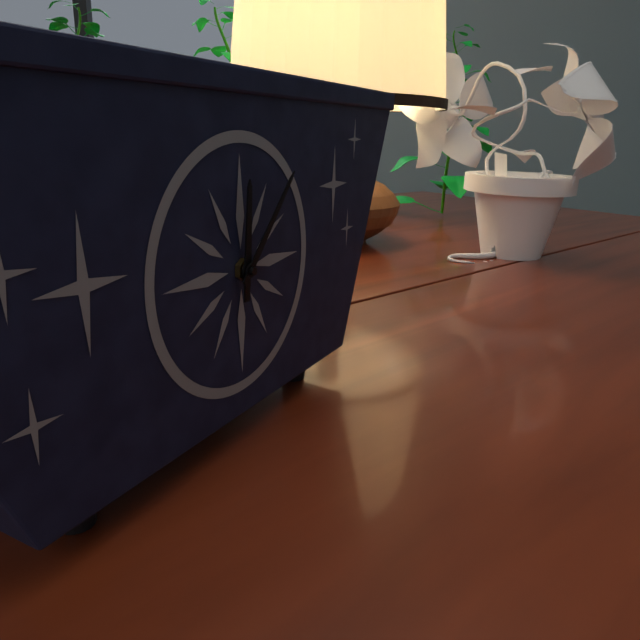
12:07
